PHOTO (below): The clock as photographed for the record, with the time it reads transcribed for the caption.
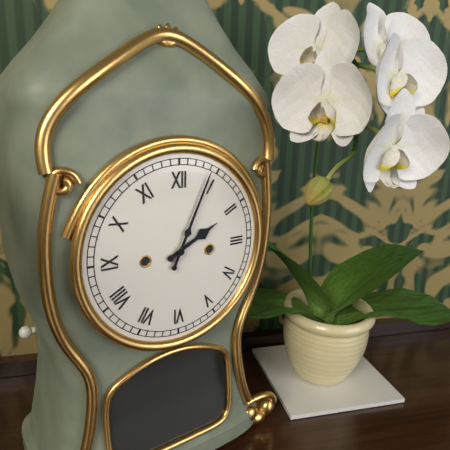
2:04
